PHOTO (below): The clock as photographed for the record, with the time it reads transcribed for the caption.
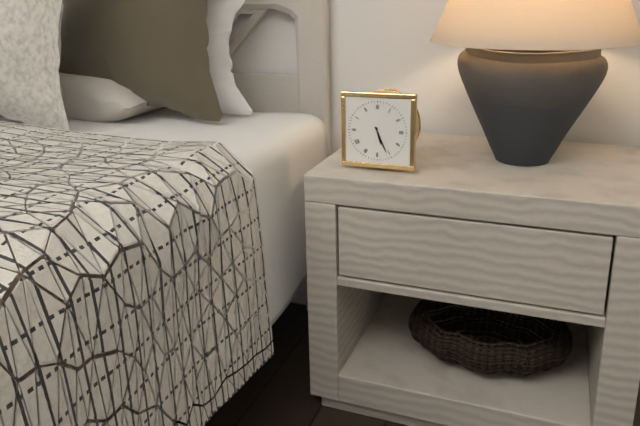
5:26
